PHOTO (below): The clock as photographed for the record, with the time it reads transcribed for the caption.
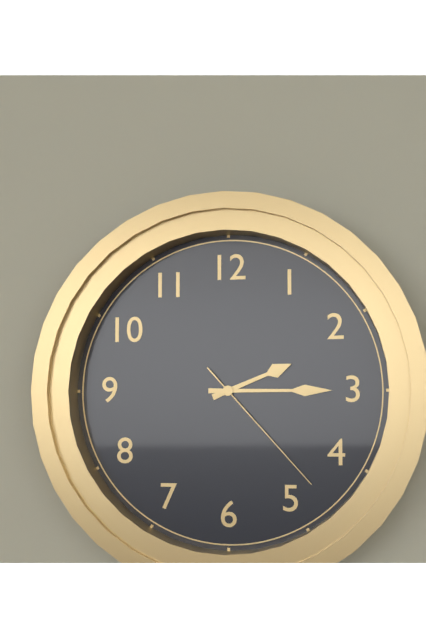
2:15:23
